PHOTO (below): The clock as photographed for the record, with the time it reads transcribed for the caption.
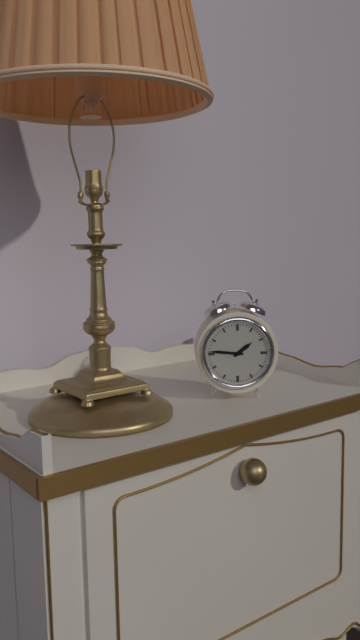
1:46
